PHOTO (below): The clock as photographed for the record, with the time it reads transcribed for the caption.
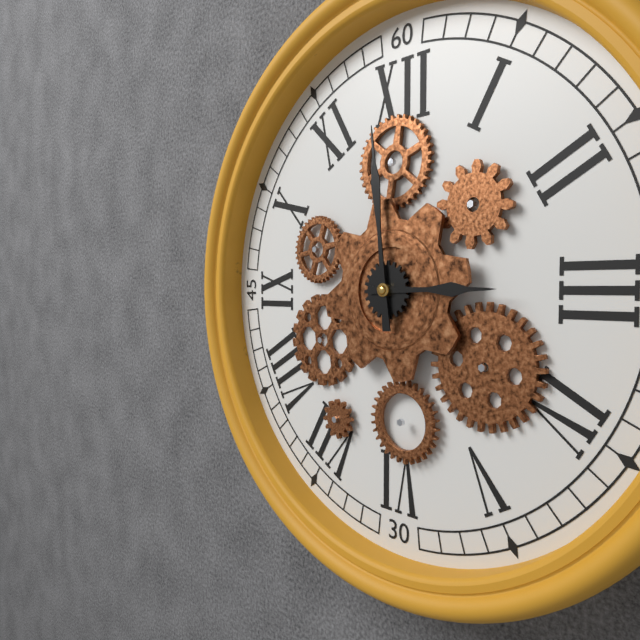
2:59
